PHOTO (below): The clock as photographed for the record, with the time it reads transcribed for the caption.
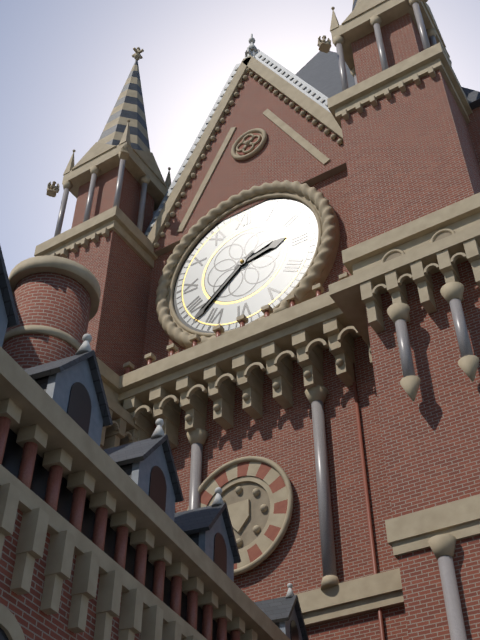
2:38
